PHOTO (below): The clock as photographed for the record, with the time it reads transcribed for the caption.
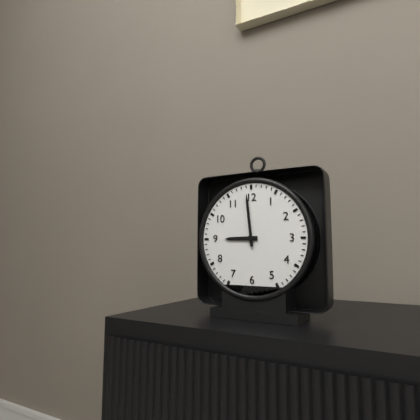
8:59
